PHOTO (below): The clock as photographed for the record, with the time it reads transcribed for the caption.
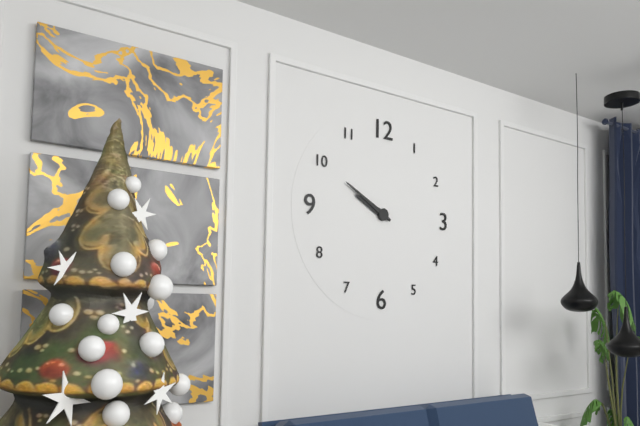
9:50
